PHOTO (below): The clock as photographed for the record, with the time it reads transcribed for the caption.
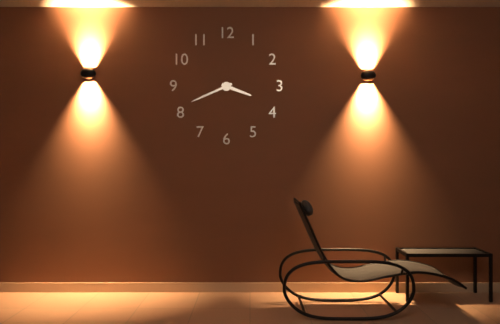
3:41
